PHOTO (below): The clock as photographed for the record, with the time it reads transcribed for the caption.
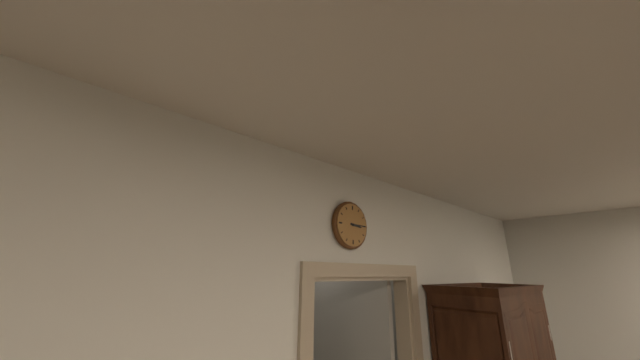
3:15
